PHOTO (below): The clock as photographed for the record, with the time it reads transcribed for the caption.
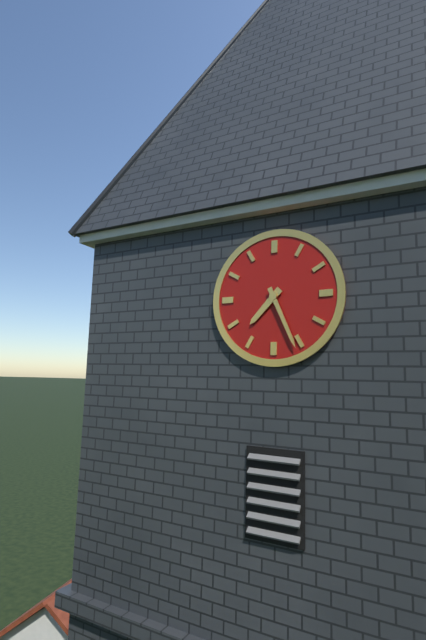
7:26
